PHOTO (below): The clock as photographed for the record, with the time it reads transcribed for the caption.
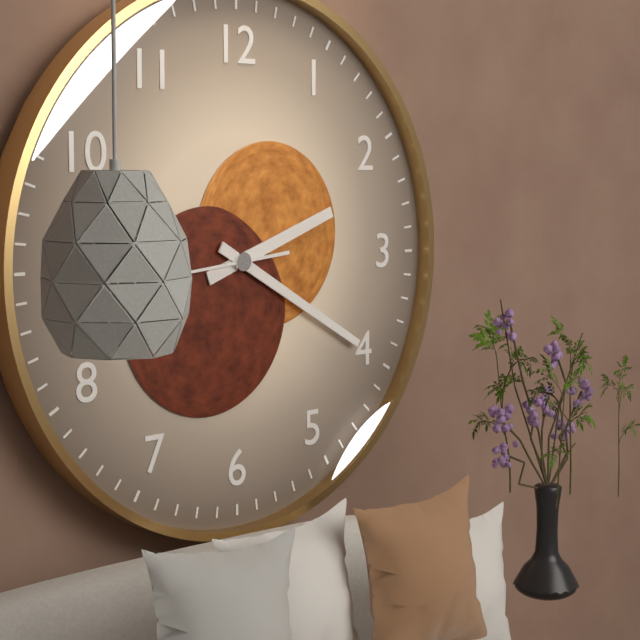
2:20
